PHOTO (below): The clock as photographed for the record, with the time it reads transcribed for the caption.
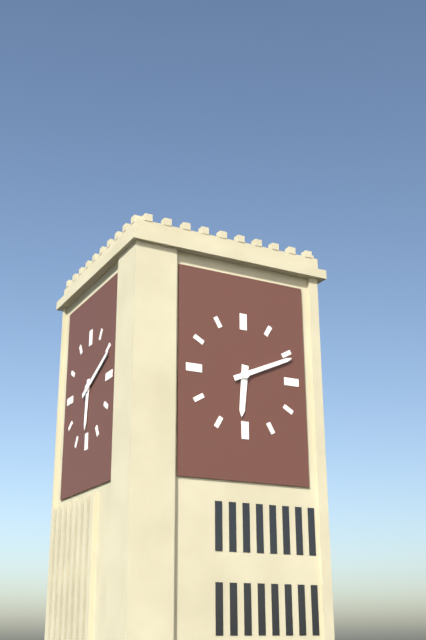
6:11
